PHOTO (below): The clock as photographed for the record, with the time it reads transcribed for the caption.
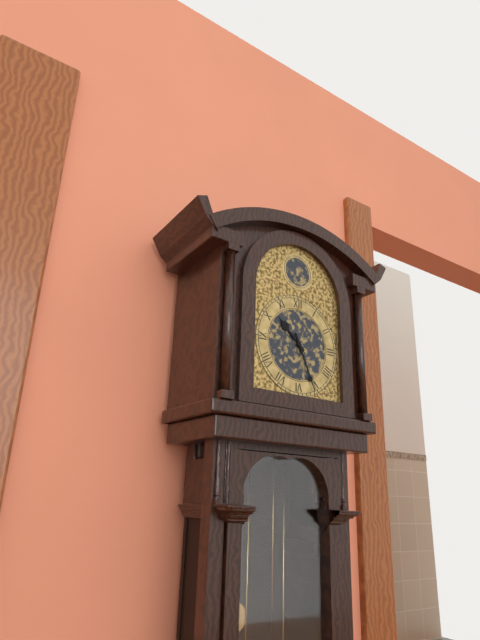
10:26
